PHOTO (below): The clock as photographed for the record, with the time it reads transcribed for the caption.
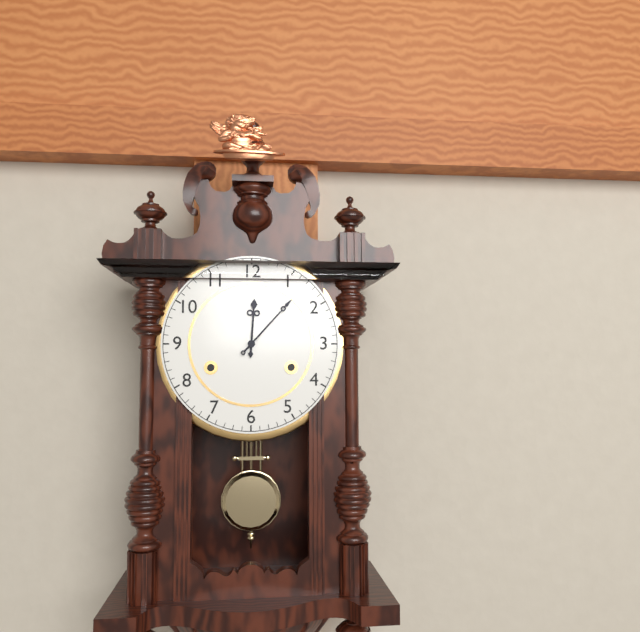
12:07
